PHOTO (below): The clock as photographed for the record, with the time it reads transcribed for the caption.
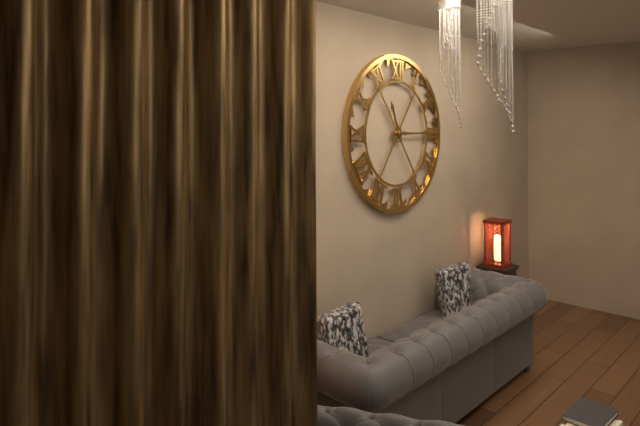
11:15
